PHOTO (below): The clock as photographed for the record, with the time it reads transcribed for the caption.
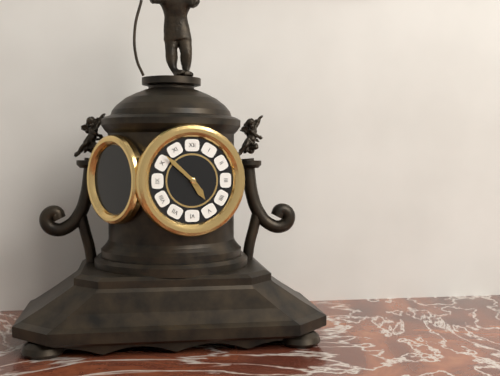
4:52
